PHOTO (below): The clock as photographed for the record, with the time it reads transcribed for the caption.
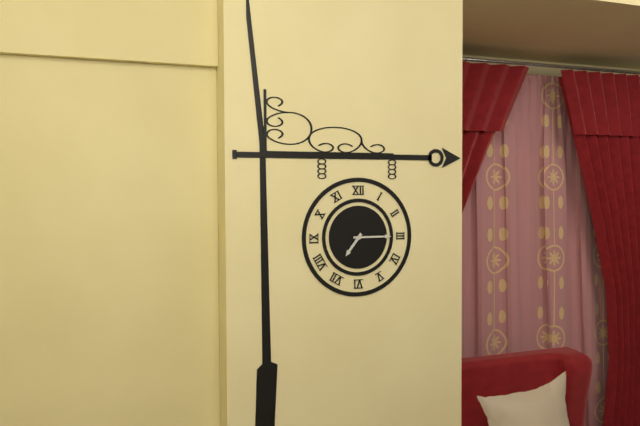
7:15
